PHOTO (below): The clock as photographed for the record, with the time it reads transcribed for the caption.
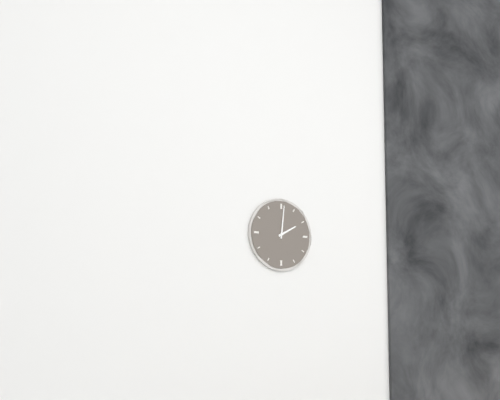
2:01
